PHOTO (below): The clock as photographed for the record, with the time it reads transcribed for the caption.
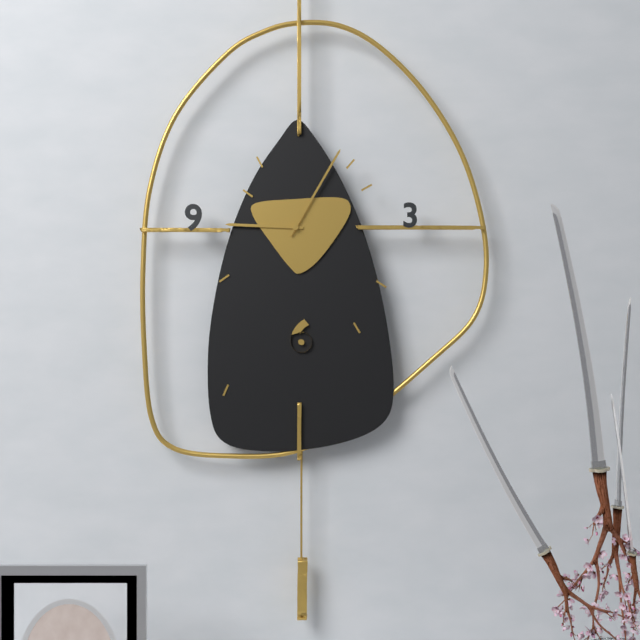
9:05
